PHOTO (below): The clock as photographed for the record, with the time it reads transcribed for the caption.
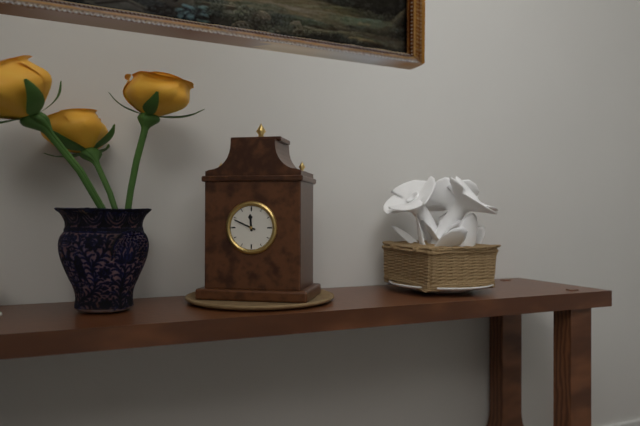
11:49
